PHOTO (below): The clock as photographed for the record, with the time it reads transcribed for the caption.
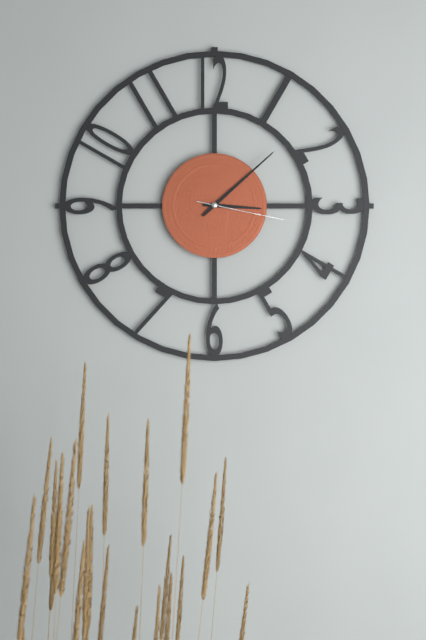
3:08:17
